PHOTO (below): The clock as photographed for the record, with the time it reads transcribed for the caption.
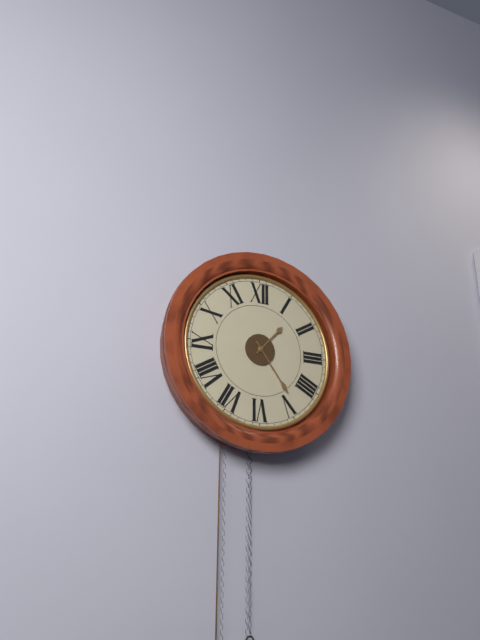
1:24
